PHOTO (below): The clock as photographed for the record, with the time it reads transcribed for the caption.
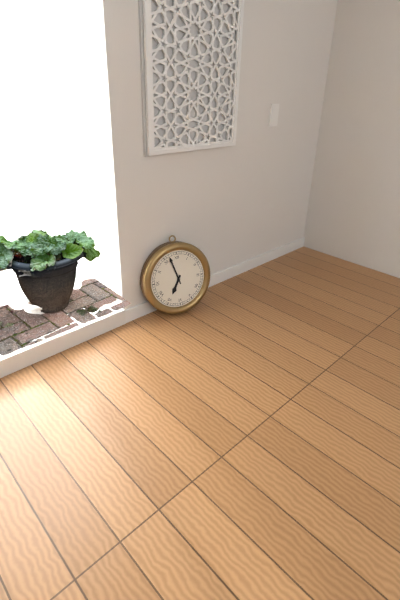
6:57
